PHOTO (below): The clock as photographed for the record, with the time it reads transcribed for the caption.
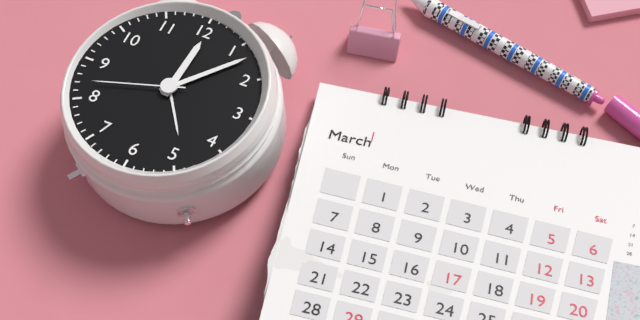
12:07:42
